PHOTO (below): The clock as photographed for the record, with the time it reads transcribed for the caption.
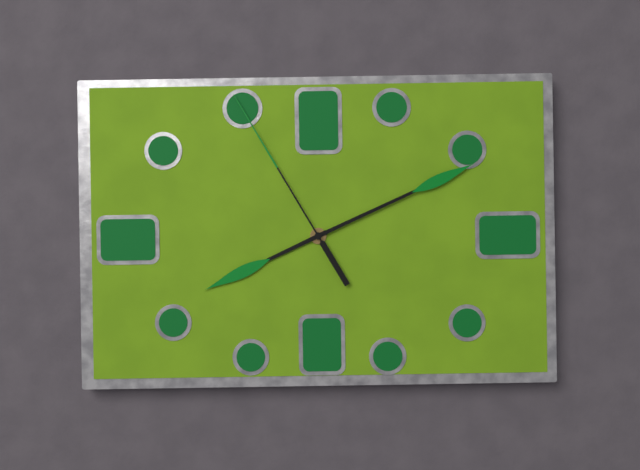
8:11:55
